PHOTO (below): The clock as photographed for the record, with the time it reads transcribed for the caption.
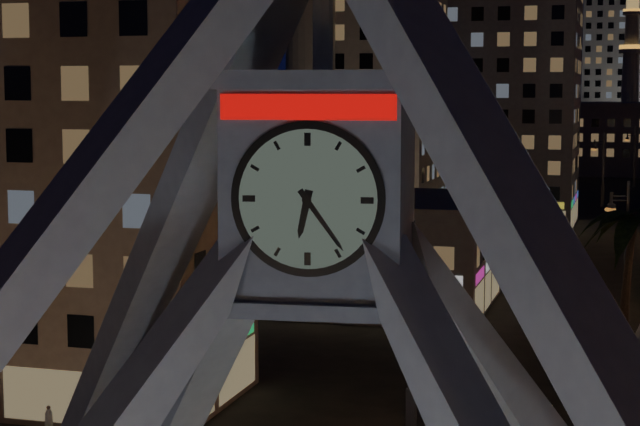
6:24
